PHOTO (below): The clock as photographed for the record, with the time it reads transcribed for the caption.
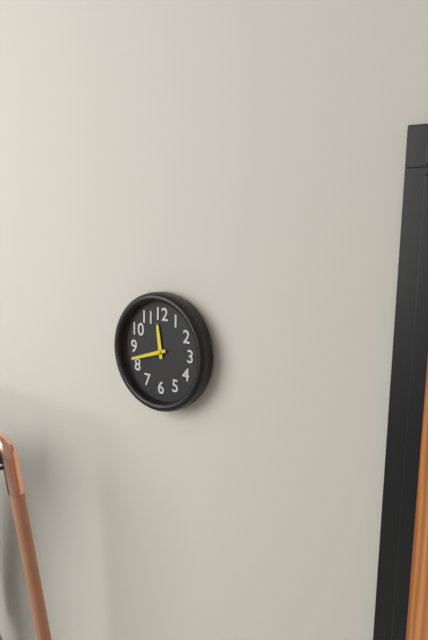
11:42
